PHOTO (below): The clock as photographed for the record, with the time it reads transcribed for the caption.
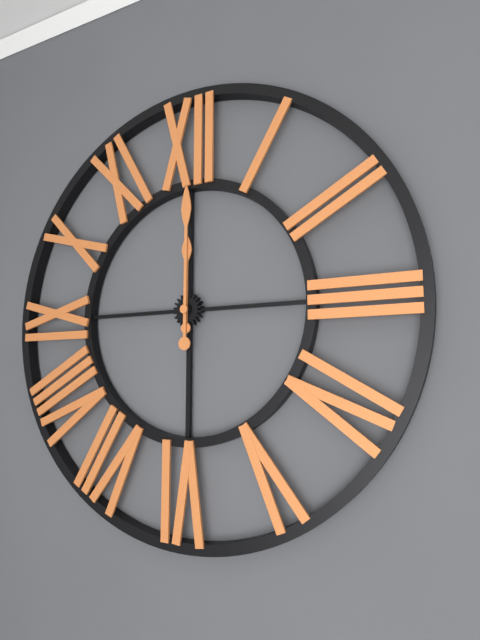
12:00
